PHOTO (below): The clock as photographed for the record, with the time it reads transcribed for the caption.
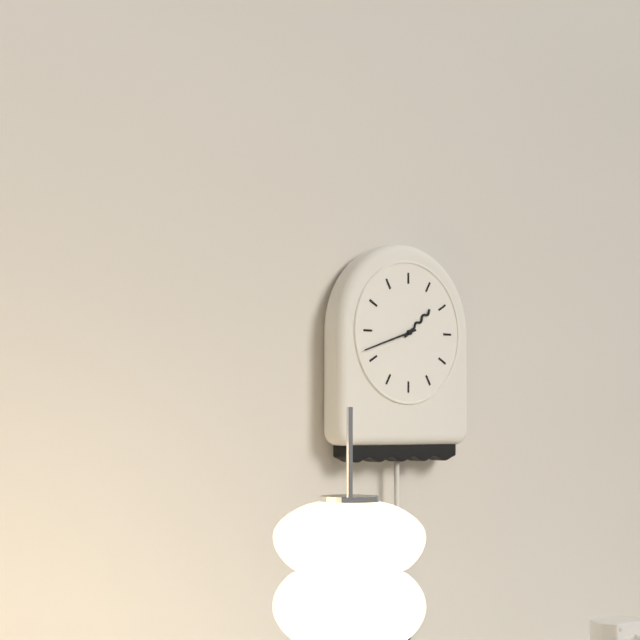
1:42
